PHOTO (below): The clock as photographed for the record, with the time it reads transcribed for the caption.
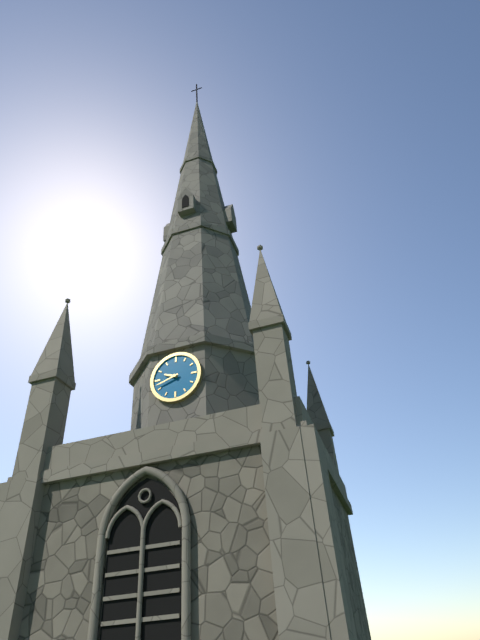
9:42
